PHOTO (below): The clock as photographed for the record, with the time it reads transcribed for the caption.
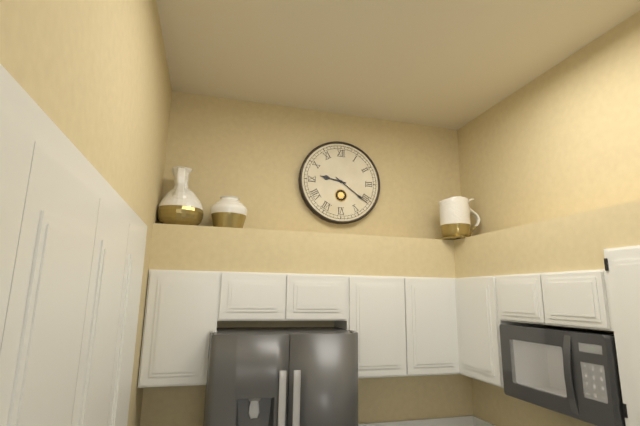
9:21
